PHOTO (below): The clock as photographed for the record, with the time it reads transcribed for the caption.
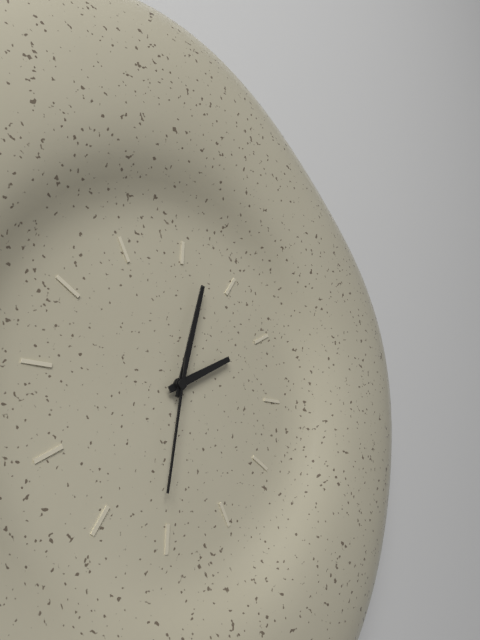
2:02:31
